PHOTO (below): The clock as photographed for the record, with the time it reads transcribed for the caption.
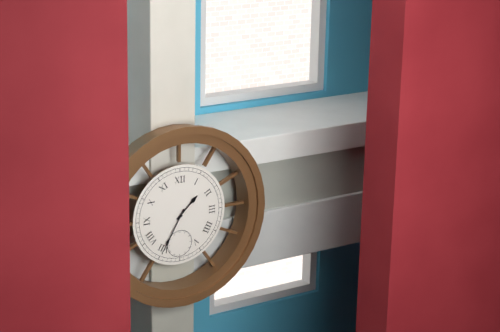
1:35
